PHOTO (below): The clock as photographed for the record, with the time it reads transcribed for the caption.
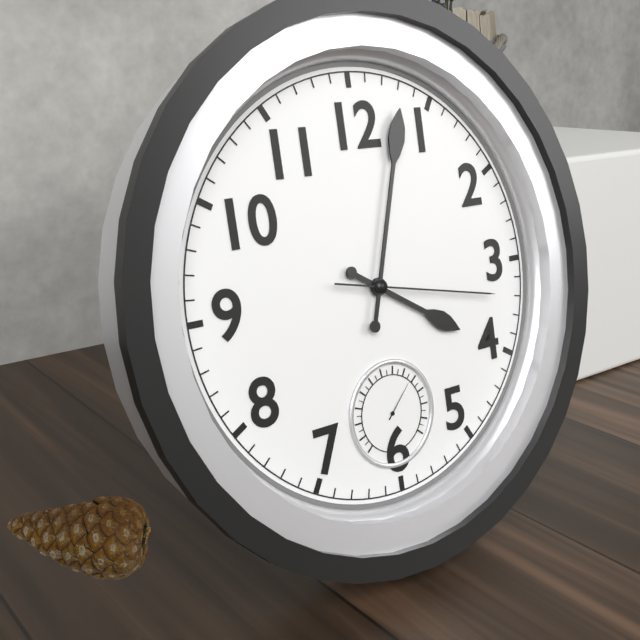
4:03:17
